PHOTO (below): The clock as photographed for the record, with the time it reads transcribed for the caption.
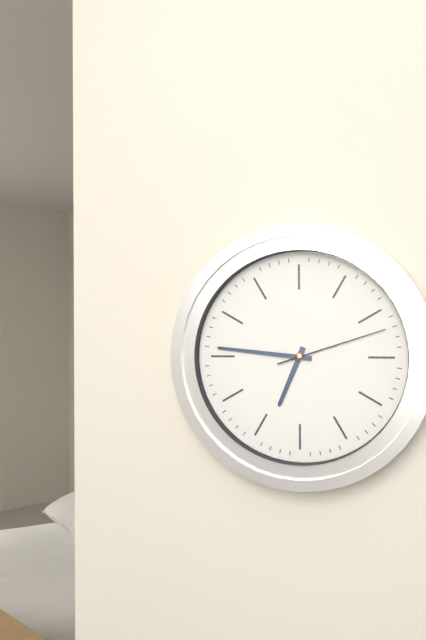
6:46:12
